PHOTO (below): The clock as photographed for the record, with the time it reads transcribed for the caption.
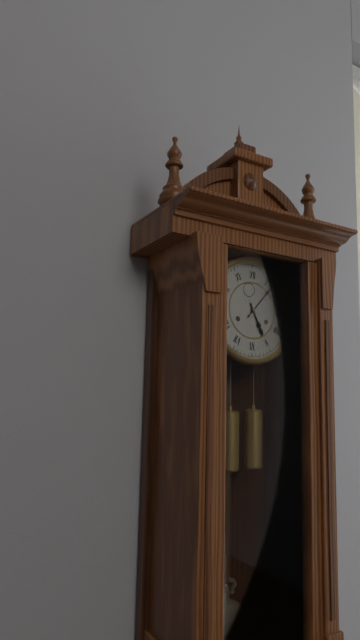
5:07
